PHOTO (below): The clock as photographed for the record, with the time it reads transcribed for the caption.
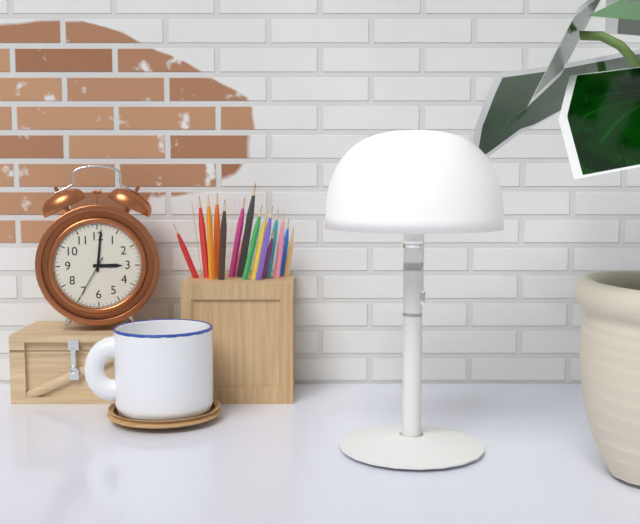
3:01
